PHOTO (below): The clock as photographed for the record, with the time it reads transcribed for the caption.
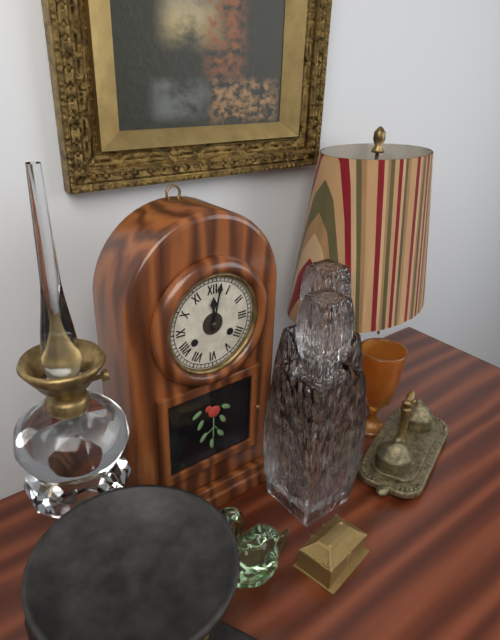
12:02
